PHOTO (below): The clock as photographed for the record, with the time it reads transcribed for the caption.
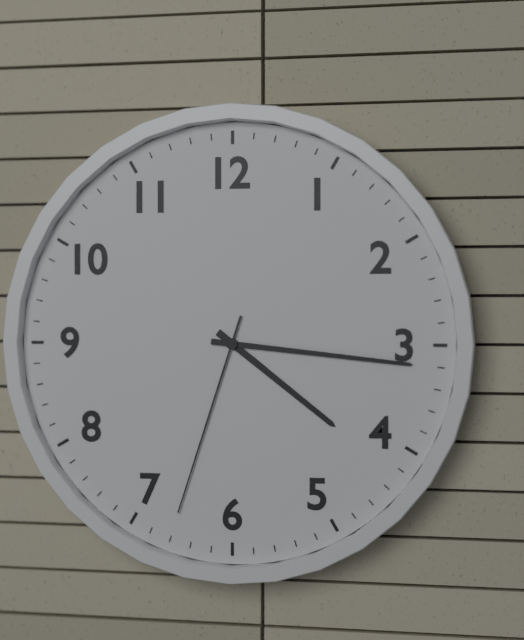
4:16:33
